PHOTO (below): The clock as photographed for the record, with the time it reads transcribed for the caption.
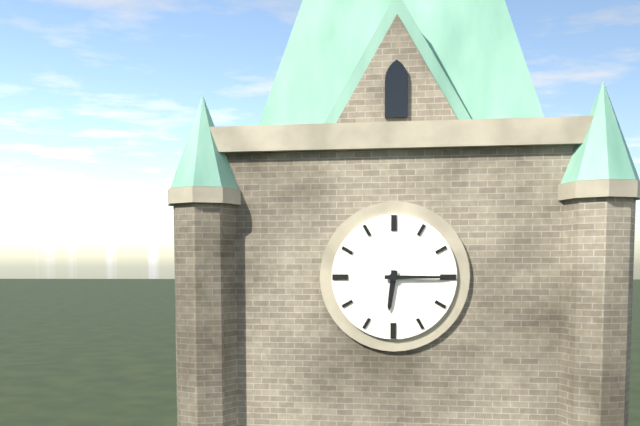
6:15
